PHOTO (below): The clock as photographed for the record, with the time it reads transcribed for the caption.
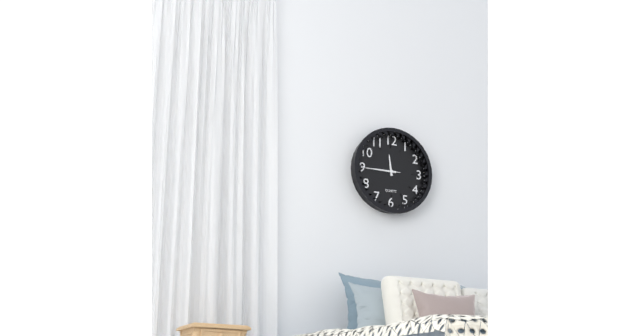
11:45
